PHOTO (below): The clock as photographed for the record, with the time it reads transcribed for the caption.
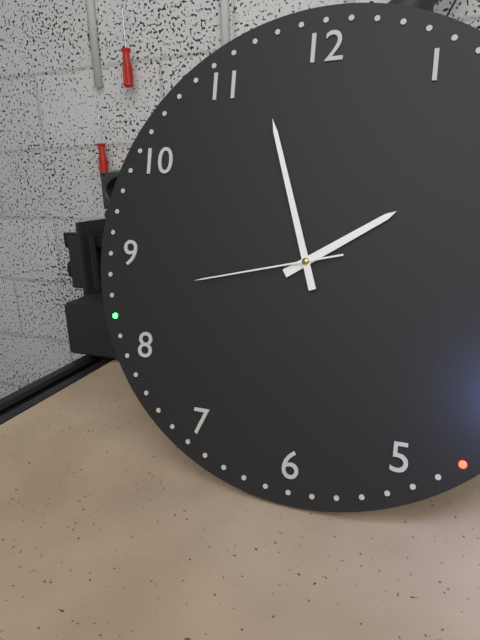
1:57:43
